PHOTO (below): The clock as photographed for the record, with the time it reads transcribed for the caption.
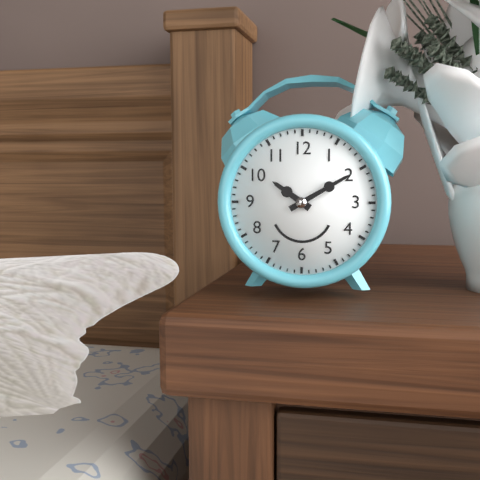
10:10
